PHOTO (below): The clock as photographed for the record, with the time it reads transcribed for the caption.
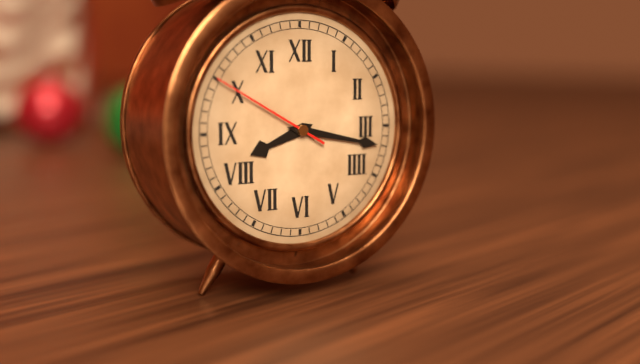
8:17:50
